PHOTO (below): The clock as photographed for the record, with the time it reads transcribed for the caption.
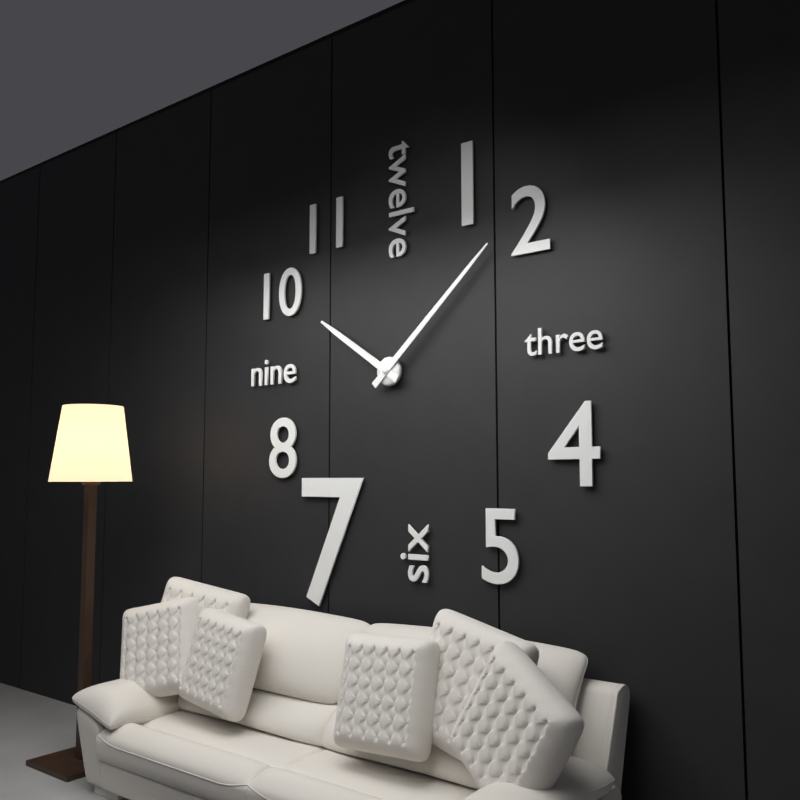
10:08
